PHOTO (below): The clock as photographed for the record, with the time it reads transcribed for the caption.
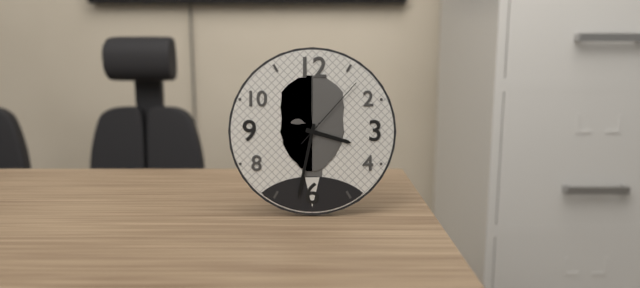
3:32:07
